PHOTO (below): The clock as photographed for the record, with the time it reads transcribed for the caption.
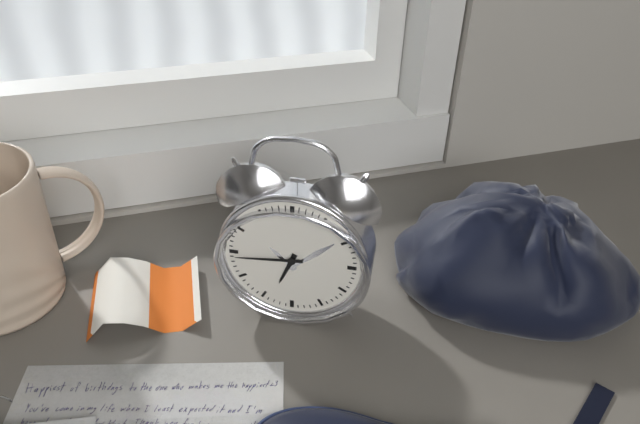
6:44
